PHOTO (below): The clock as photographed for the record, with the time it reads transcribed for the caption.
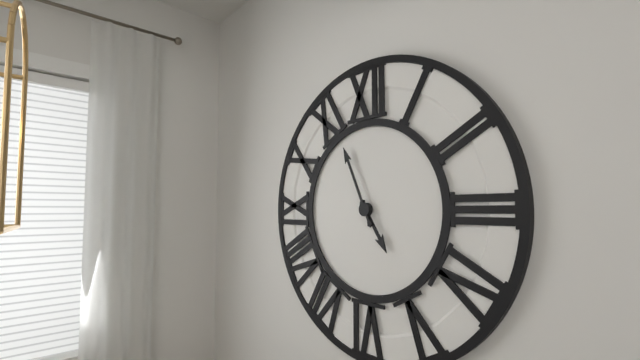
4:56
